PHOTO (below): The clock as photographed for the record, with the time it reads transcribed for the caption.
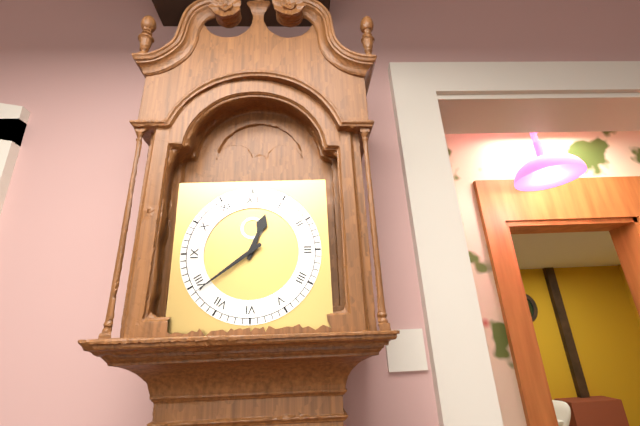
12:39
